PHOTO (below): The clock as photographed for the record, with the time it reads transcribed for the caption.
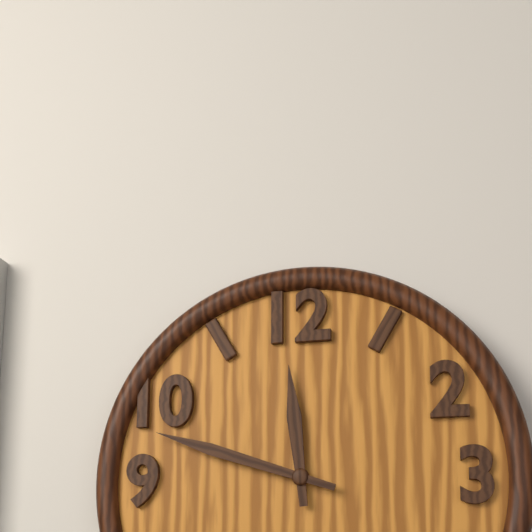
11:48
